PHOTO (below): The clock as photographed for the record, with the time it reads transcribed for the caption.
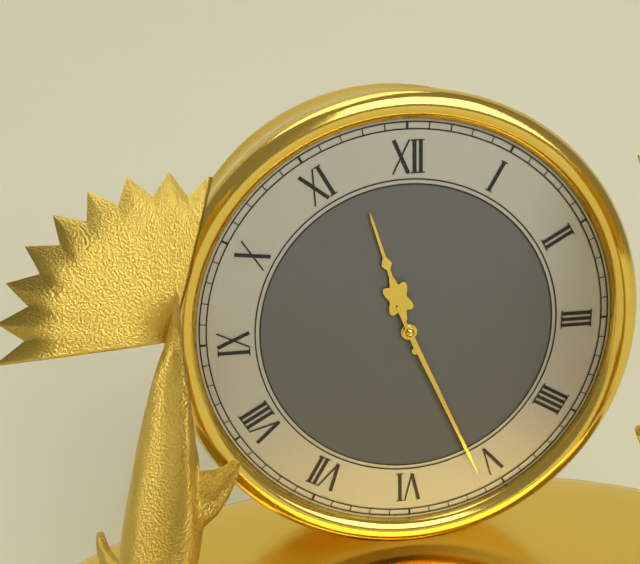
11:26
